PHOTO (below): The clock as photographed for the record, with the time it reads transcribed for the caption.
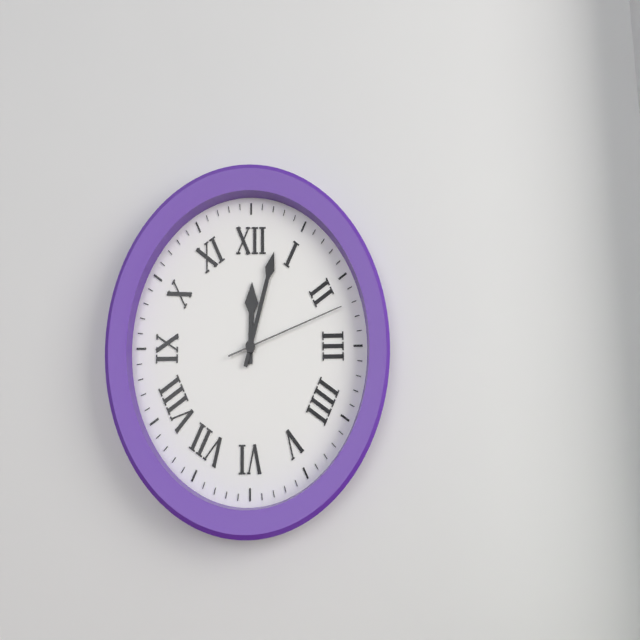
12:03:12
